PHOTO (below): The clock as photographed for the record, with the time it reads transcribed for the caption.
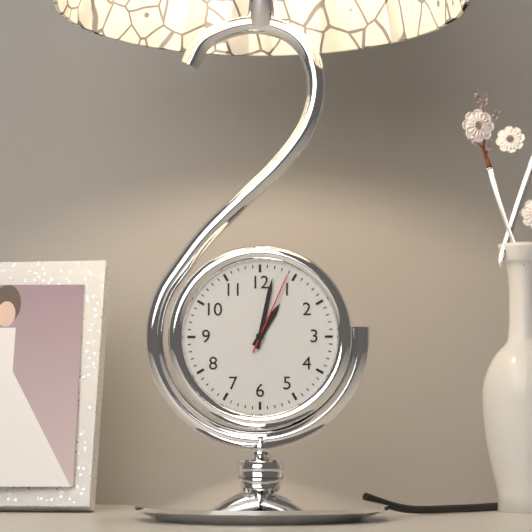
1:02:04
